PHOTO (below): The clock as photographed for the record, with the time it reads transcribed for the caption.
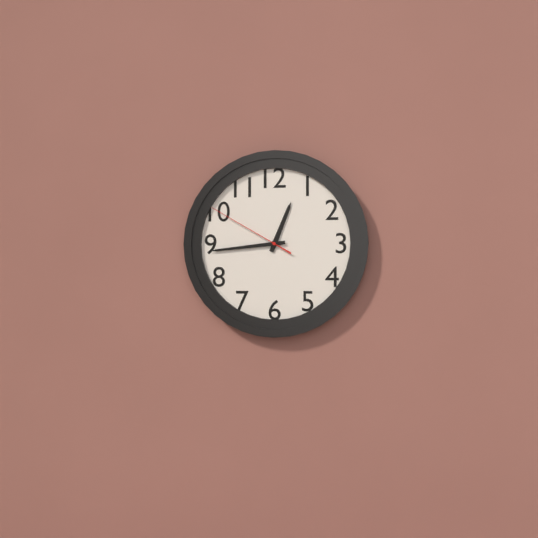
12:44:50
